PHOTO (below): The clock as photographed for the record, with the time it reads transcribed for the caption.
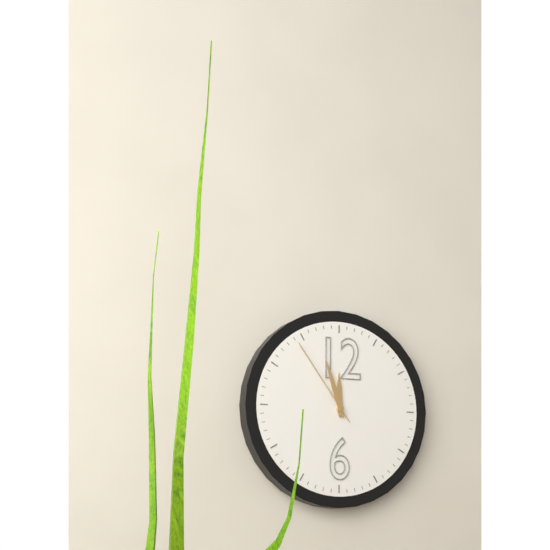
11:57:54
